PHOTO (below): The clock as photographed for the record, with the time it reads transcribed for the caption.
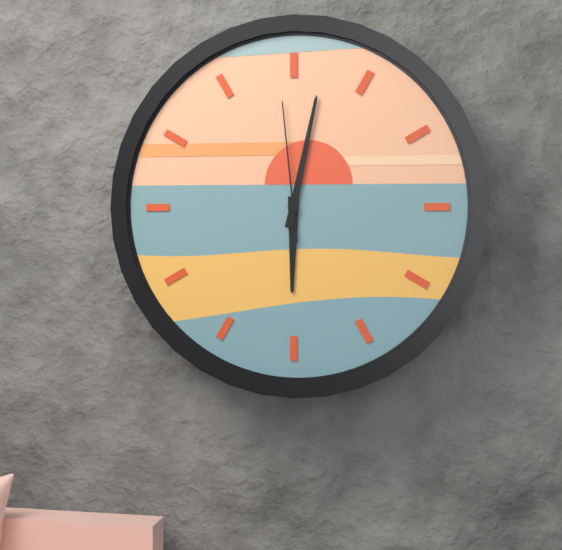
6:02:59
